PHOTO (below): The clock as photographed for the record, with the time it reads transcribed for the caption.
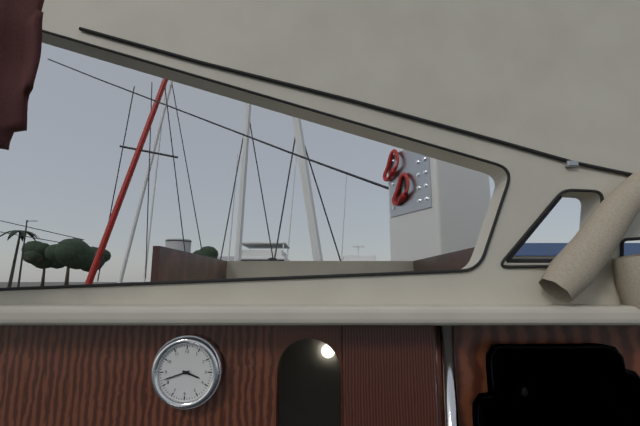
3:42
